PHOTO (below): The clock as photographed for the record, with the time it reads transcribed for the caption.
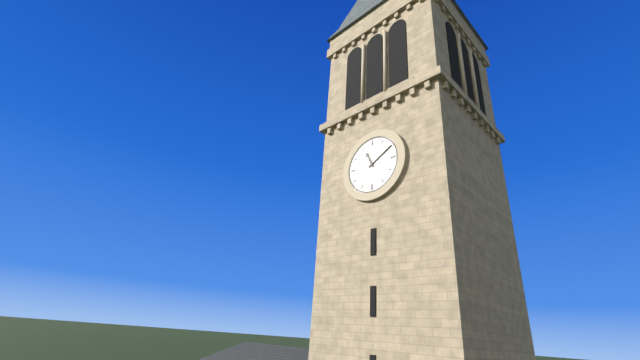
11:10
